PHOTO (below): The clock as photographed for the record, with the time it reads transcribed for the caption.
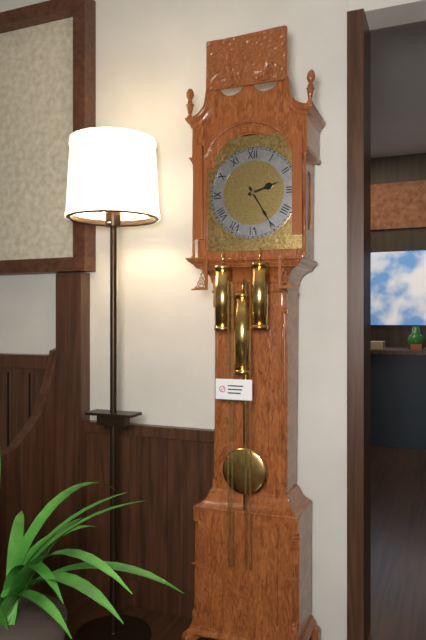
2:25
